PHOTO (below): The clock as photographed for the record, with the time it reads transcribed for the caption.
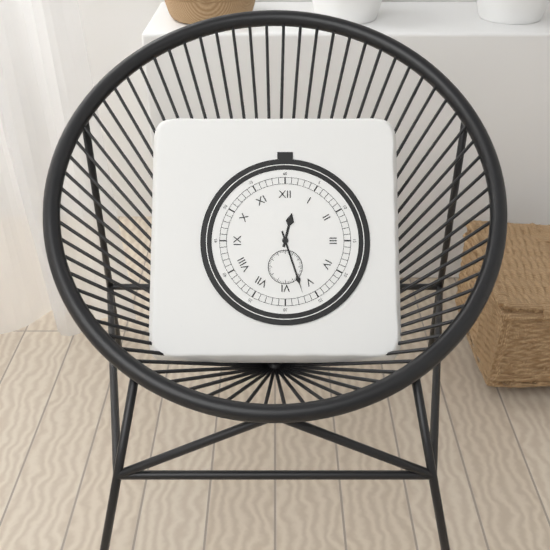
12:27
